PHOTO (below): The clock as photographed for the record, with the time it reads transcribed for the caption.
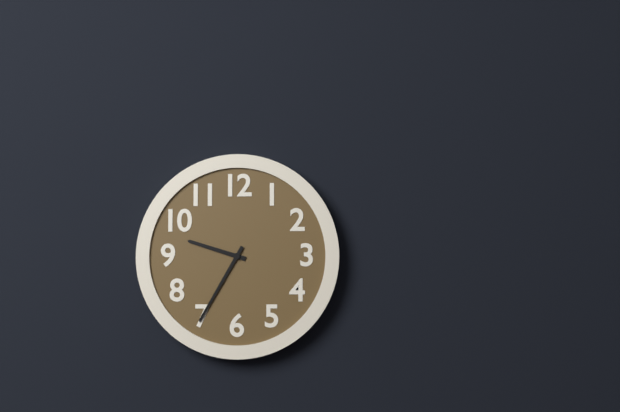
9:35
